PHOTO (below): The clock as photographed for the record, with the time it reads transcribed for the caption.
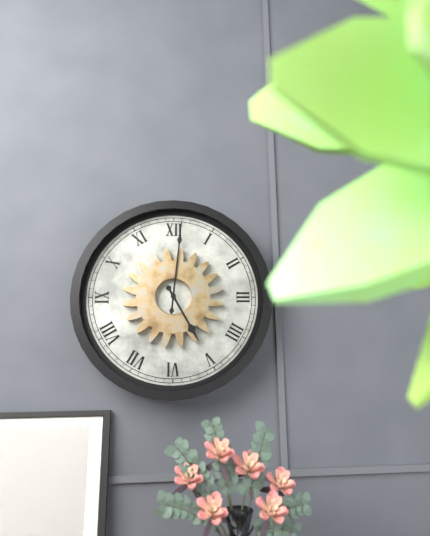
5:01
